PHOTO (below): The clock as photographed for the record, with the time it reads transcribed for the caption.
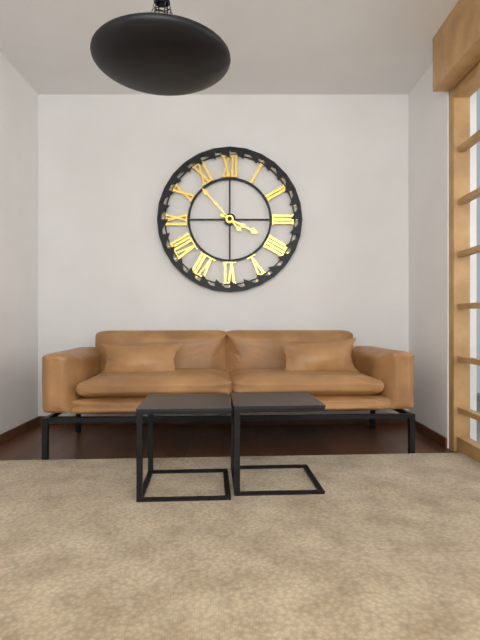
3:53
